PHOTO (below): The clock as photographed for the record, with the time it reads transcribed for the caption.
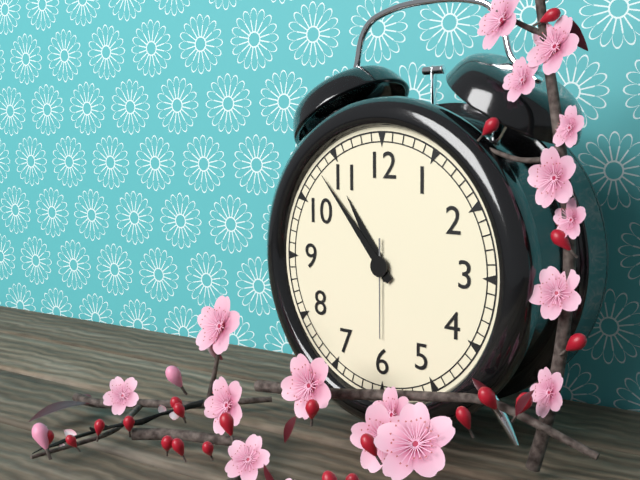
10:53:30
